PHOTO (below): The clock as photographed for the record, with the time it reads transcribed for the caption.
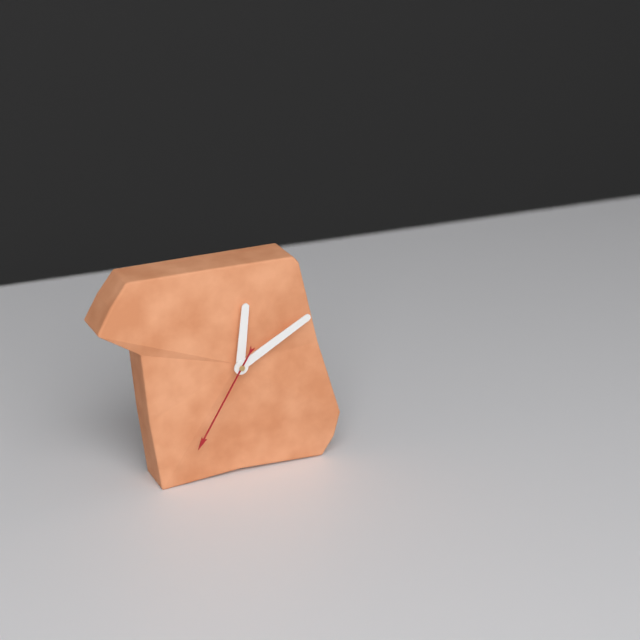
12:10:35
